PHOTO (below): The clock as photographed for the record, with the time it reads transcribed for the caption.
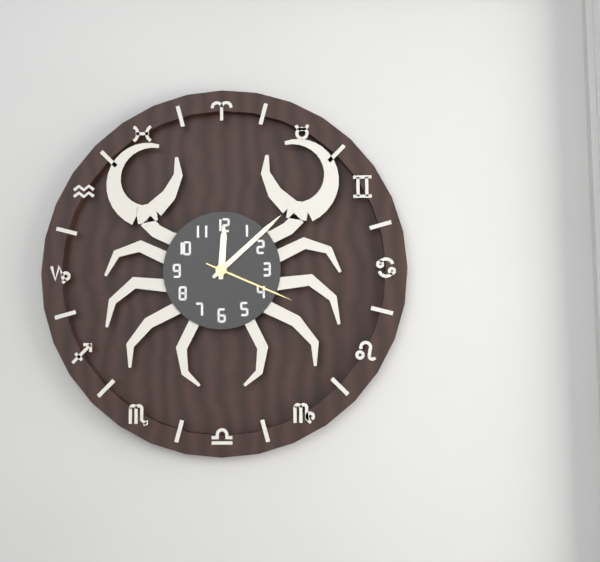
12:08:19
